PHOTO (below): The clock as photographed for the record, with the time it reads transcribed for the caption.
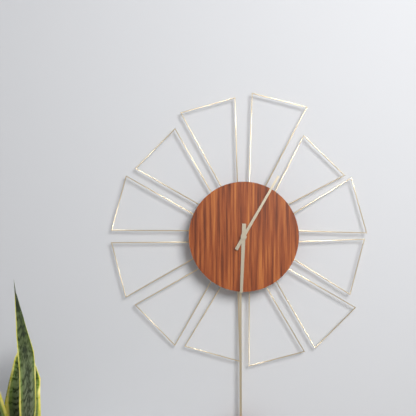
6:05
